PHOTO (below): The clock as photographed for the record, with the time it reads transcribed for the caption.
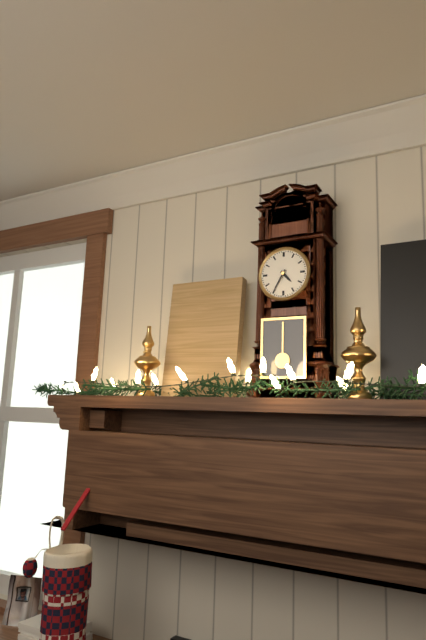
4:35
